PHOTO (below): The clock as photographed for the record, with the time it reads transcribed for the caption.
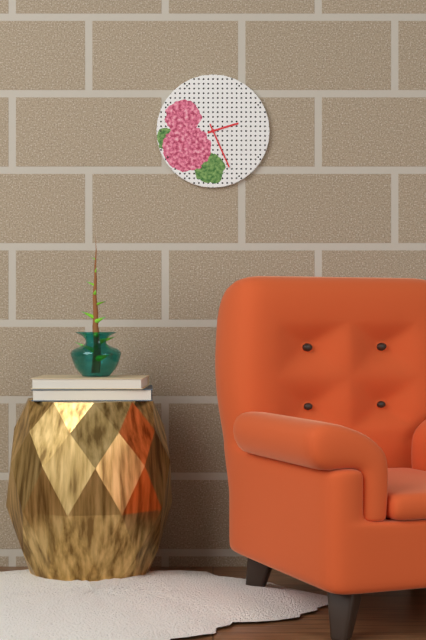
2:26
